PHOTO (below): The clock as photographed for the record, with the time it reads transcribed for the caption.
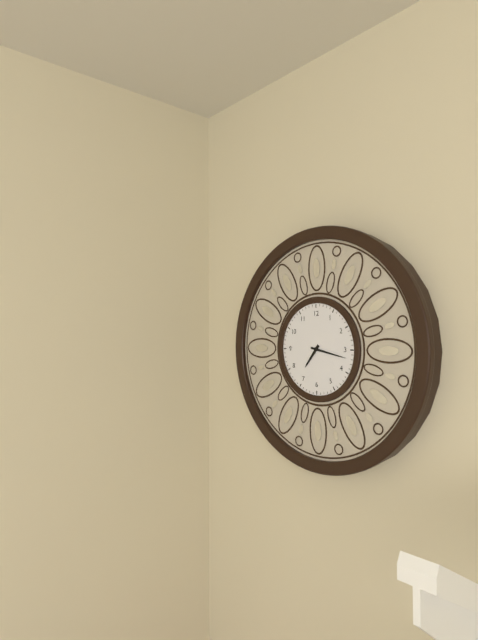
7:17
